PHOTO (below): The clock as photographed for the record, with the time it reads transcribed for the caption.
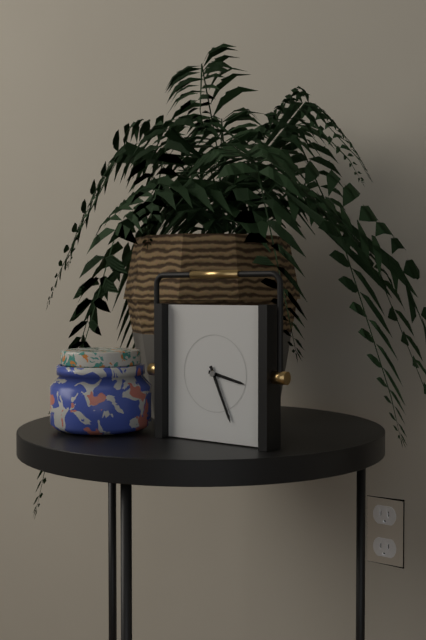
3:26
